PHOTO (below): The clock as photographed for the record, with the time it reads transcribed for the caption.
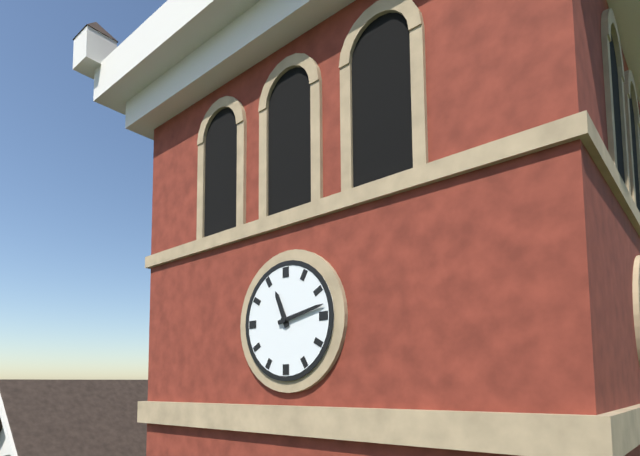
11:13
